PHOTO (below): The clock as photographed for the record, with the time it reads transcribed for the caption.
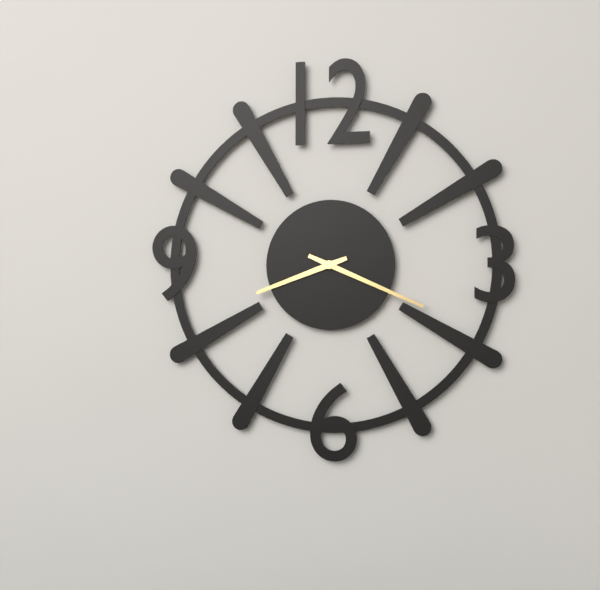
8:19
